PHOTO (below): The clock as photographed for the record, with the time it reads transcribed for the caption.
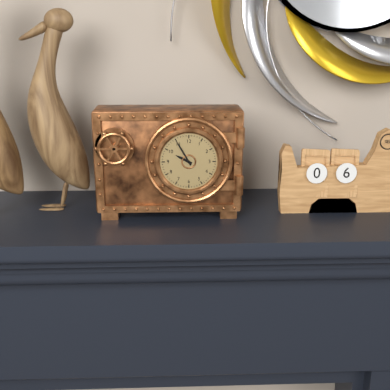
9:55
